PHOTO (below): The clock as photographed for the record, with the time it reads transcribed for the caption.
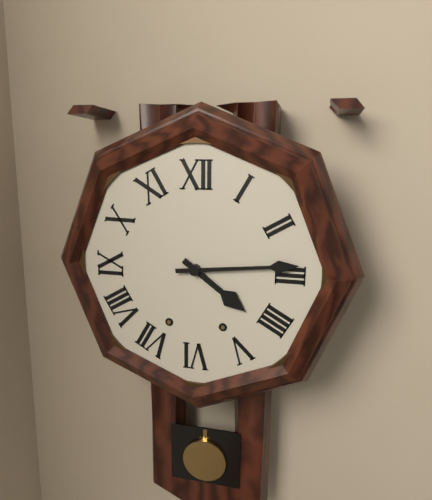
4:14
